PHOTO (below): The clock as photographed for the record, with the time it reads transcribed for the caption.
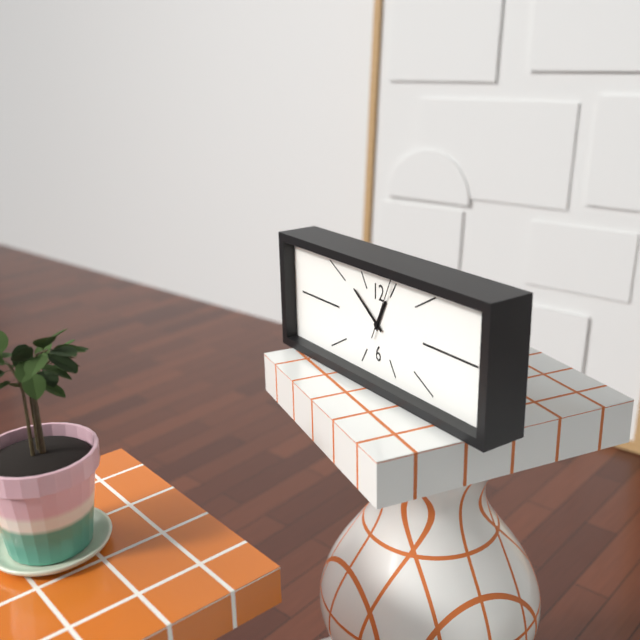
12:51:04
